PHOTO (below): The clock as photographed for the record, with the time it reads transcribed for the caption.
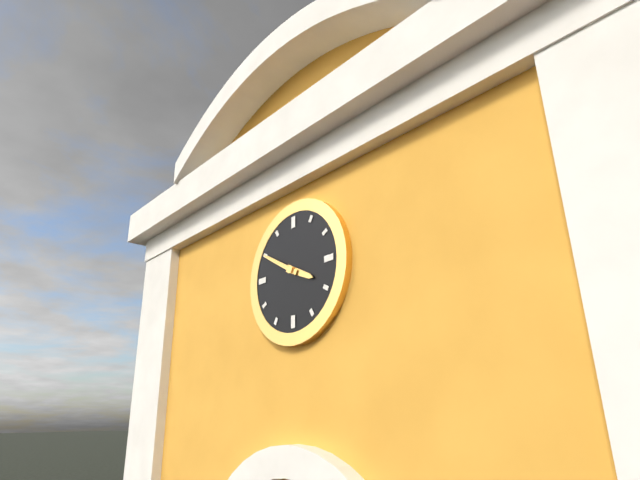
3:50
